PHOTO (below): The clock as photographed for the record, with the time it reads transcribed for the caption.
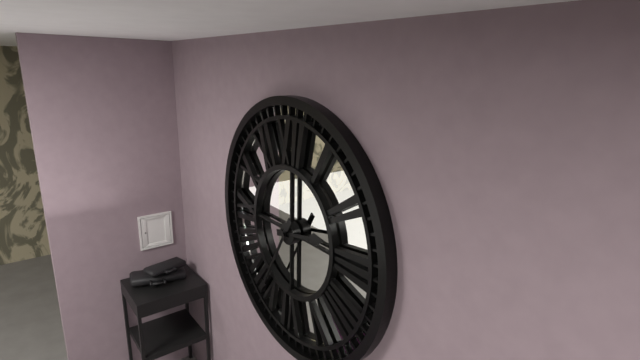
2:35
